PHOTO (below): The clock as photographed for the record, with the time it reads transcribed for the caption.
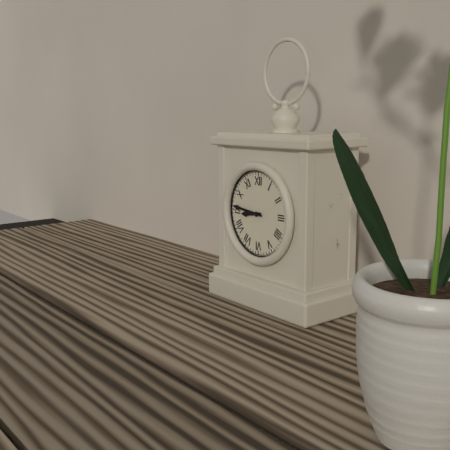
8:46
